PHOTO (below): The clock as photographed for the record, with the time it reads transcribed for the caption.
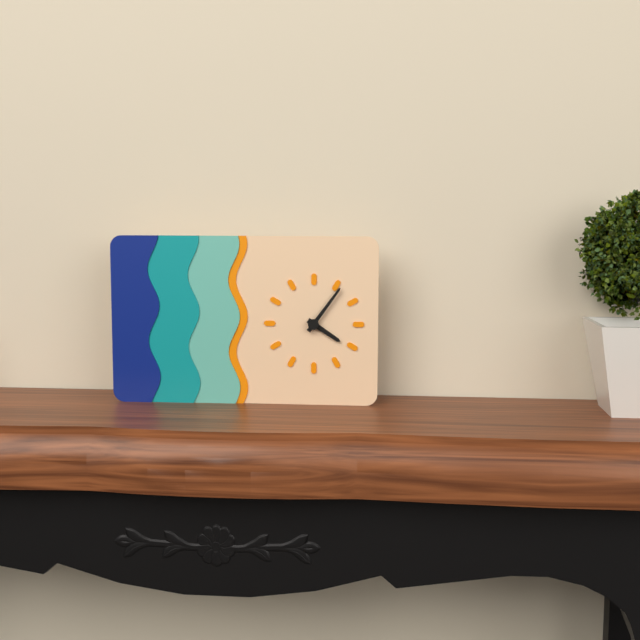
4:06
